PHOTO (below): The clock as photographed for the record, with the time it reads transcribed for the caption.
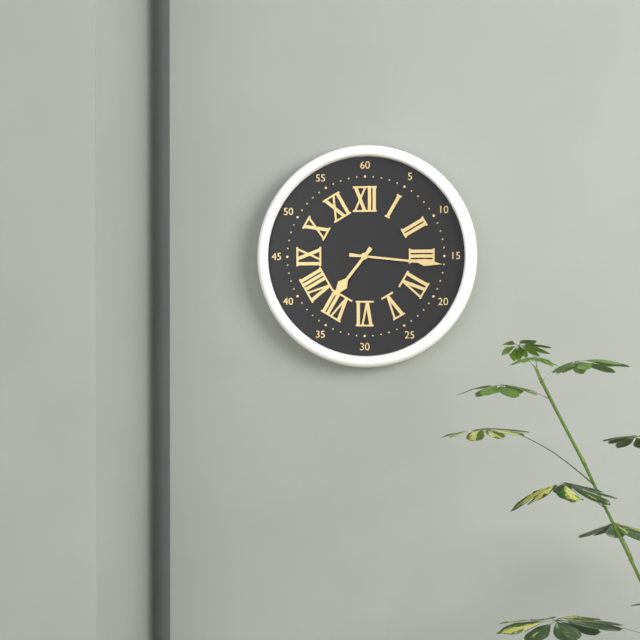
7:16
